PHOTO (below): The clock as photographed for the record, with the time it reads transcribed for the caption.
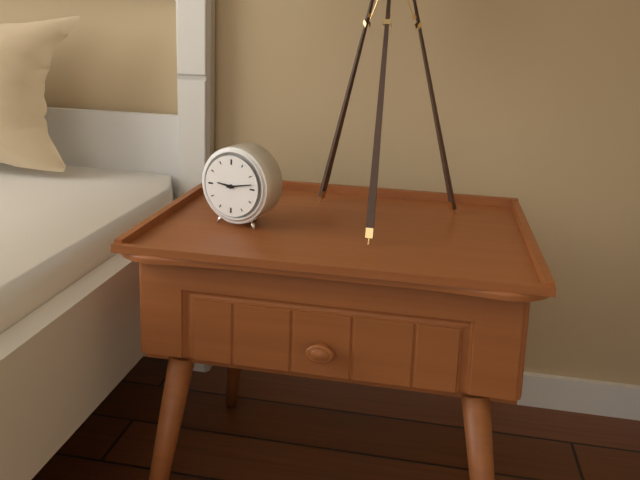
9:13
